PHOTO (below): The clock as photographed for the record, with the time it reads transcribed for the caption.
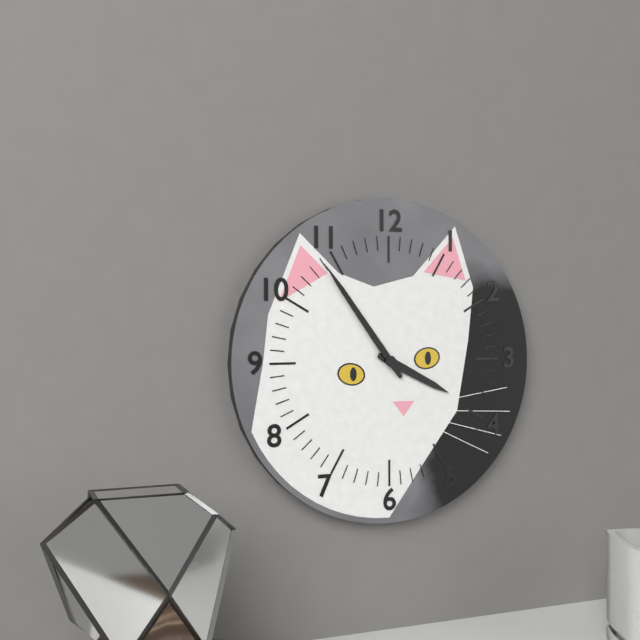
3:54
